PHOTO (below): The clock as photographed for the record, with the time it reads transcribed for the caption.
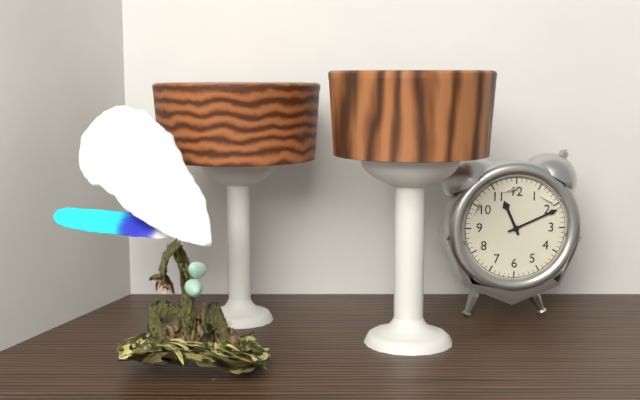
11:11
